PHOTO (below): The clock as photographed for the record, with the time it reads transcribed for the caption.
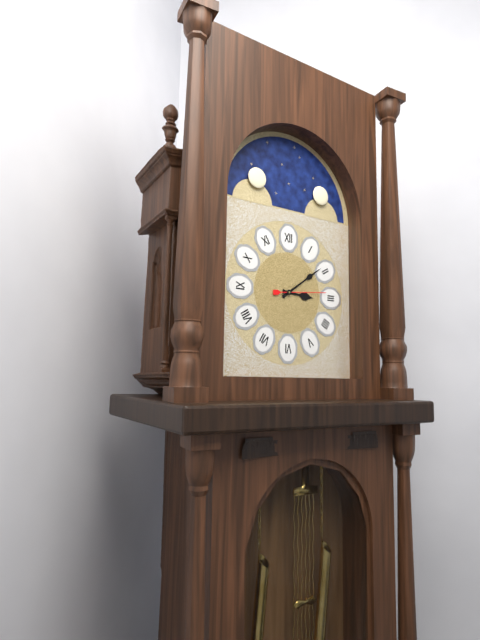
3:09
